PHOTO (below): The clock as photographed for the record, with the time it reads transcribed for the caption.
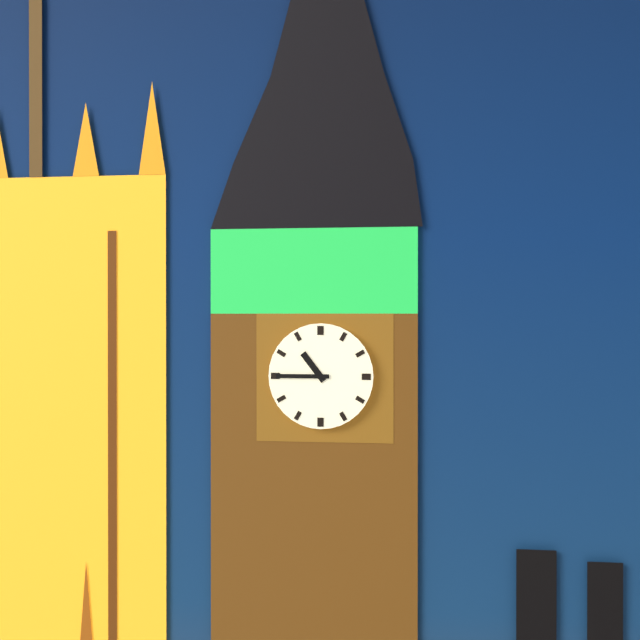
10:45
